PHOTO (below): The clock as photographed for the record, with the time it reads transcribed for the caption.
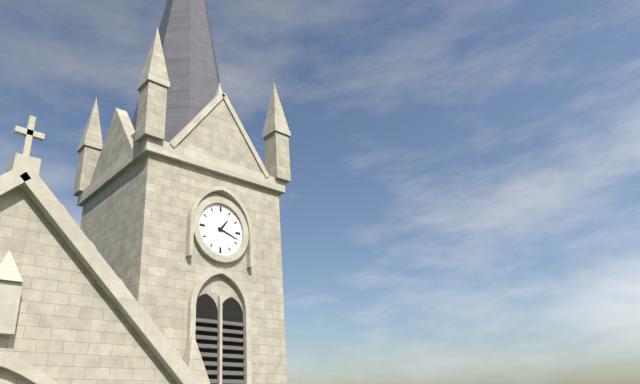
1:18
